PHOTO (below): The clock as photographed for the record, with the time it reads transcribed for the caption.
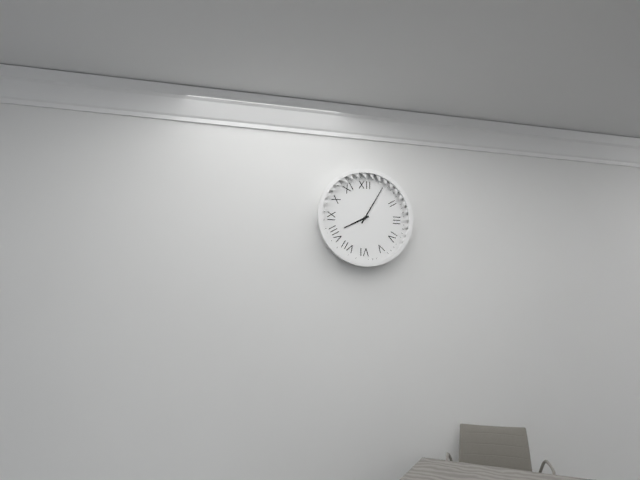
8:05
